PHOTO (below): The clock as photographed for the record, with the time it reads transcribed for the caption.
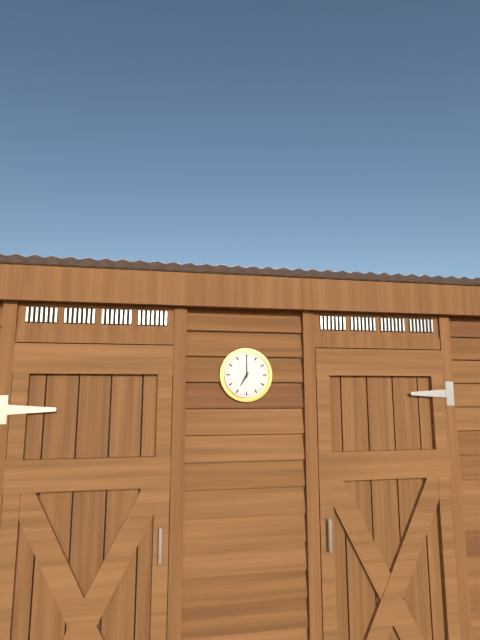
7:00
